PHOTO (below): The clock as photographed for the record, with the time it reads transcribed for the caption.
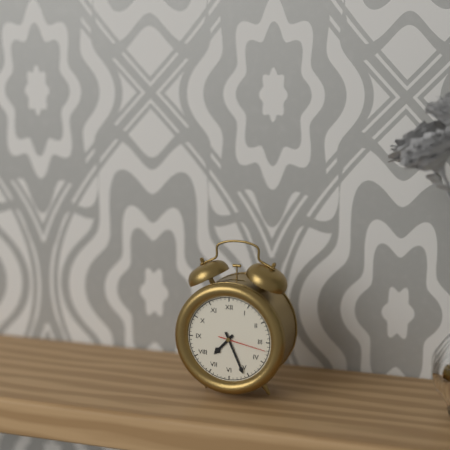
7:26
